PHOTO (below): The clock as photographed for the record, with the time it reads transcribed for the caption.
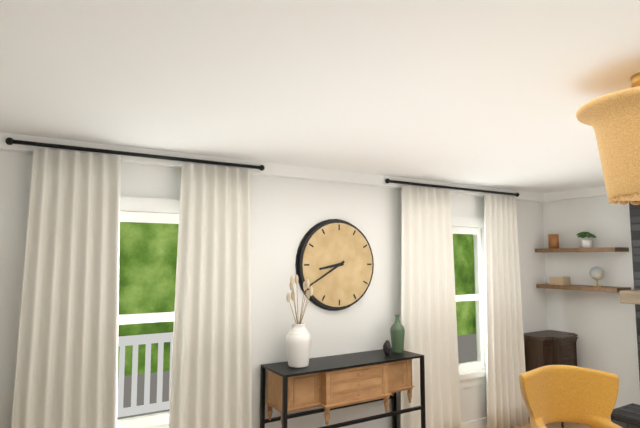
8:40
